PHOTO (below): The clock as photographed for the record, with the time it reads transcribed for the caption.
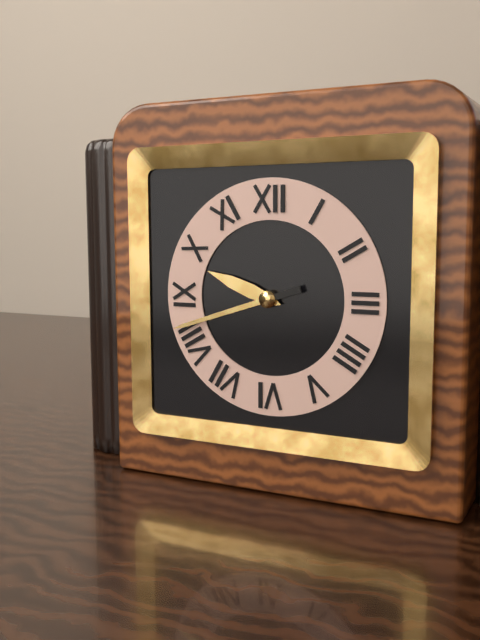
9:42
